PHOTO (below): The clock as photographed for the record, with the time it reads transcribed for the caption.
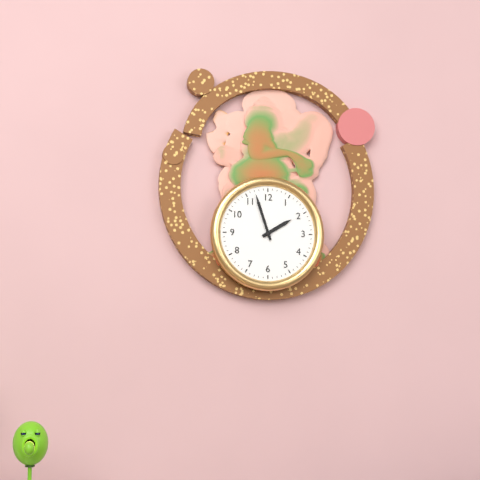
1:57
